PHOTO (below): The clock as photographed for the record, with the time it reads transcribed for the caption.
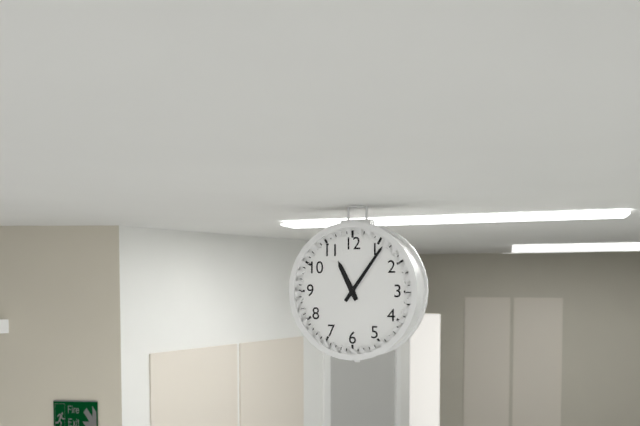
11:06
